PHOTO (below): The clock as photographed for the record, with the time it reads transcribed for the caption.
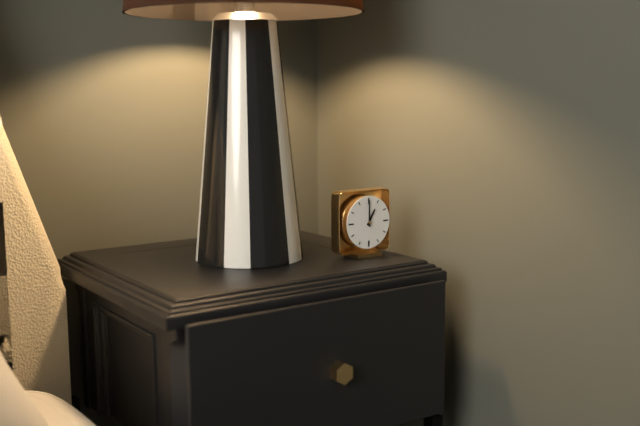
1:00
